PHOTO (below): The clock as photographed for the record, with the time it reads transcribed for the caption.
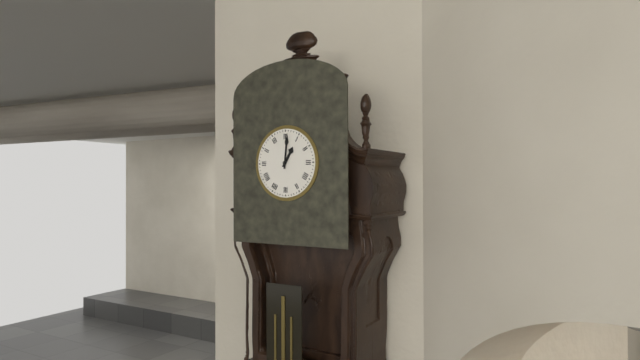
1:01
